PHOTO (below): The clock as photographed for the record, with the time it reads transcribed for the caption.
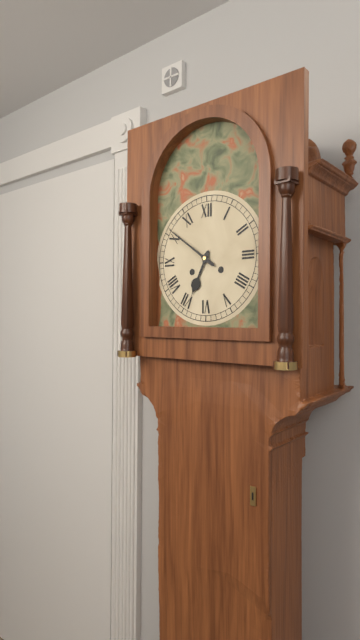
6:51
